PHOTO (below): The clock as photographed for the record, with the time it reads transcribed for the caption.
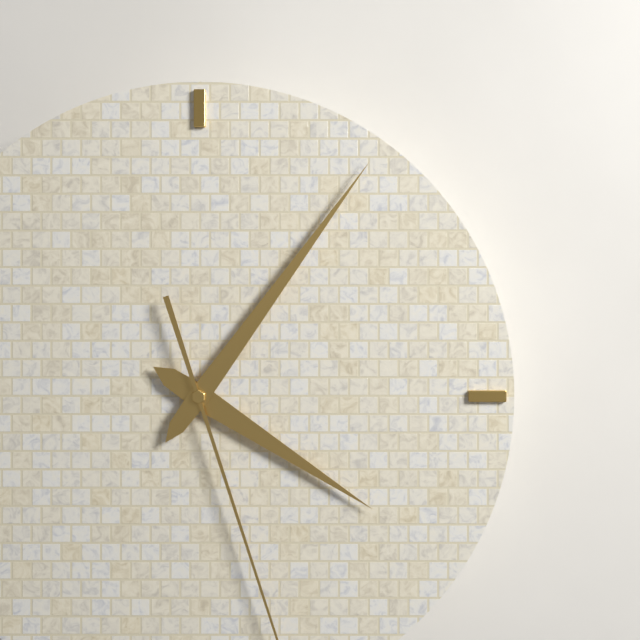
4:06
